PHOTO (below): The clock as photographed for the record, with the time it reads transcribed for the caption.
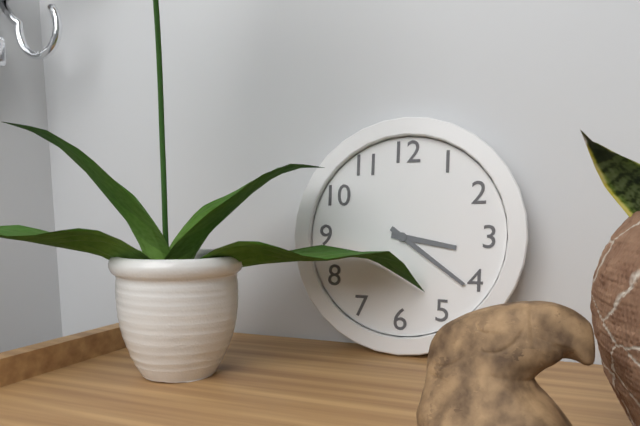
3:21
